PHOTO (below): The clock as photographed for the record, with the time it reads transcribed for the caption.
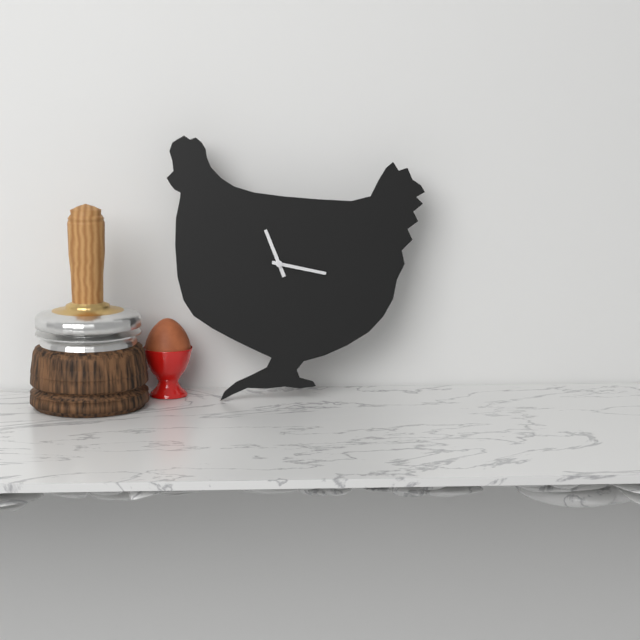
11:17
